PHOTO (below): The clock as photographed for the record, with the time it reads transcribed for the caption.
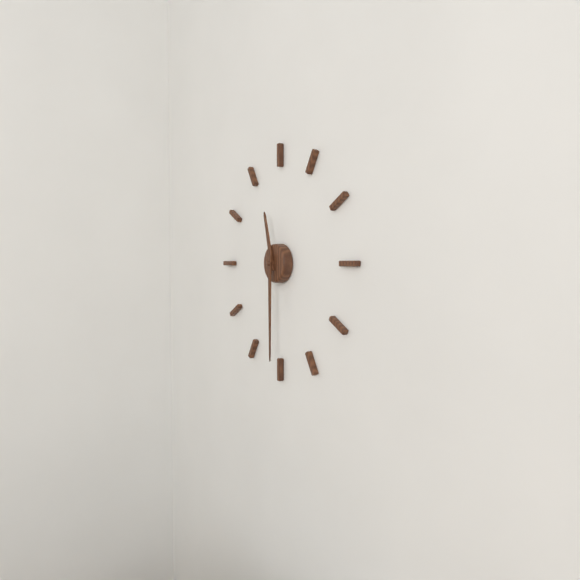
11:30
